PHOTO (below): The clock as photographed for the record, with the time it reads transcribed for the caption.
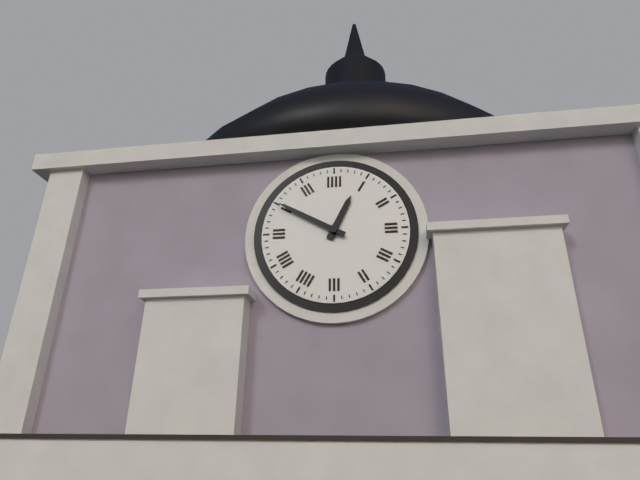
12:50
